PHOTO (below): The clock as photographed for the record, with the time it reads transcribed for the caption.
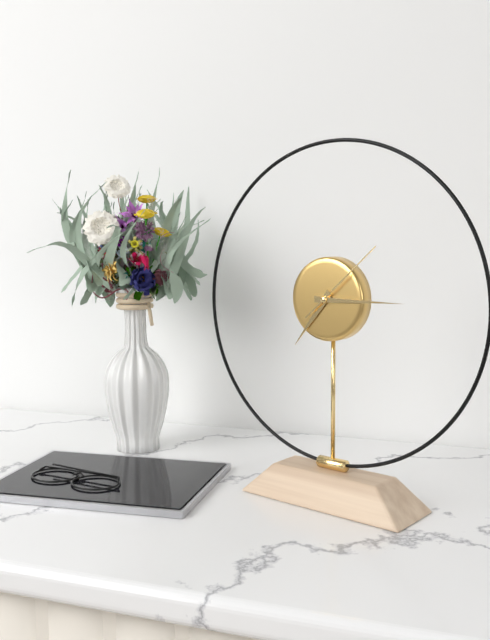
7:15:08
